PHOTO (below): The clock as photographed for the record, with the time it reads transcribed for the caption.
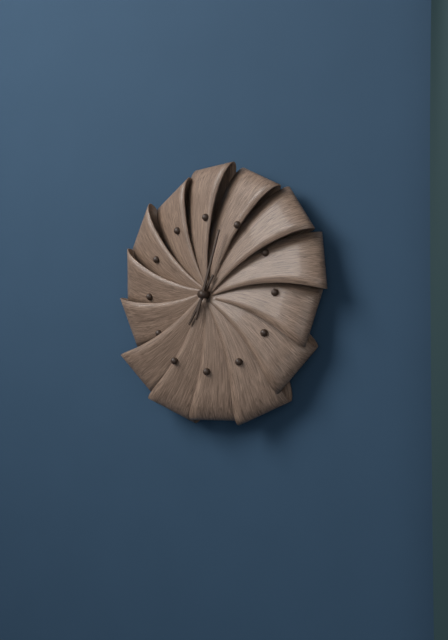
7:03
